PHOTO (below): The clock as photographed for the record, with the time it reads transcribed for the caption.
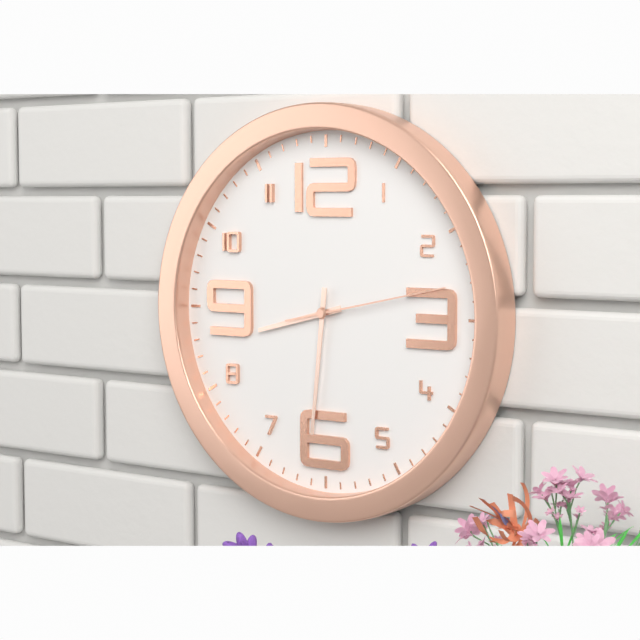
8:31:13
